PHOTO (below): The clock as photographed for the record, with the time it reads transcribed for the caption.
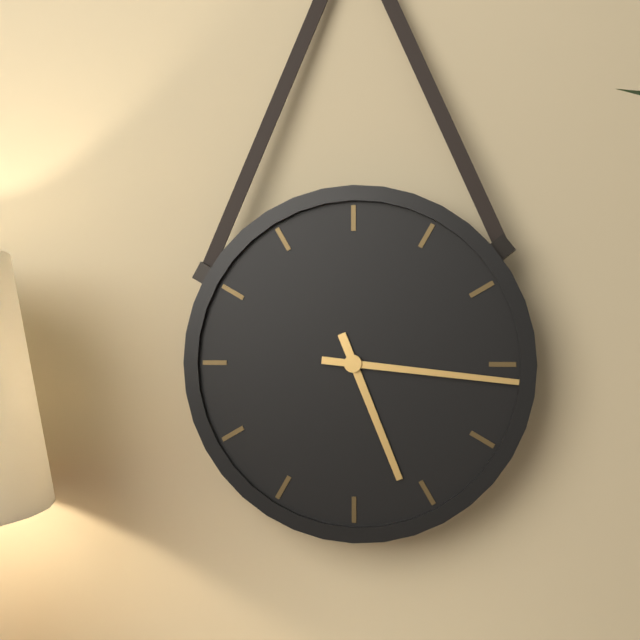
5:16
